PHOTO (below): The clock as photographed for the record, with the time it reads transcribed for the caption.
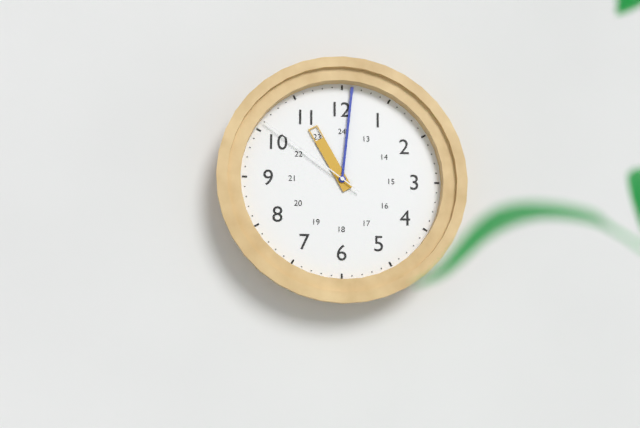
11:01:51
